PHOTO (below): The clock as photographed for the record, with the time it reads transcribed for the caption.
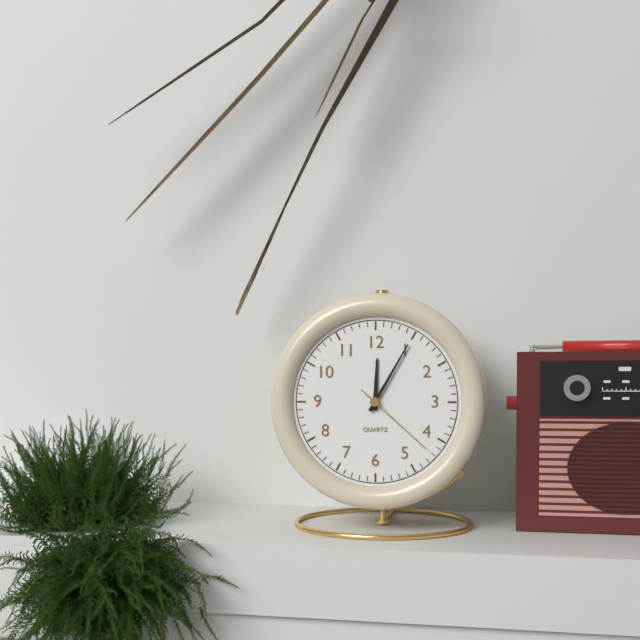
12:05:22
